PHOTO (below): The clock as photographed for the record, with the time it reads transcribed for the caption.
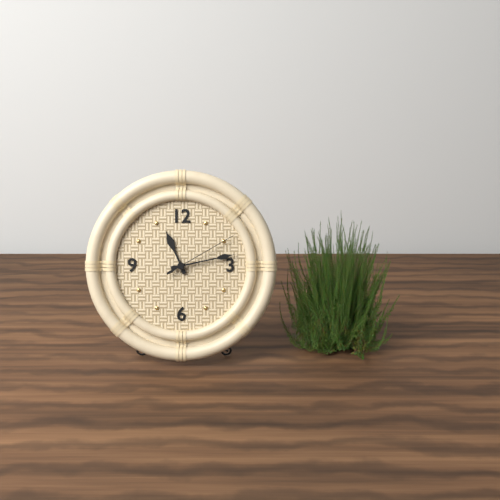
11:13:10
